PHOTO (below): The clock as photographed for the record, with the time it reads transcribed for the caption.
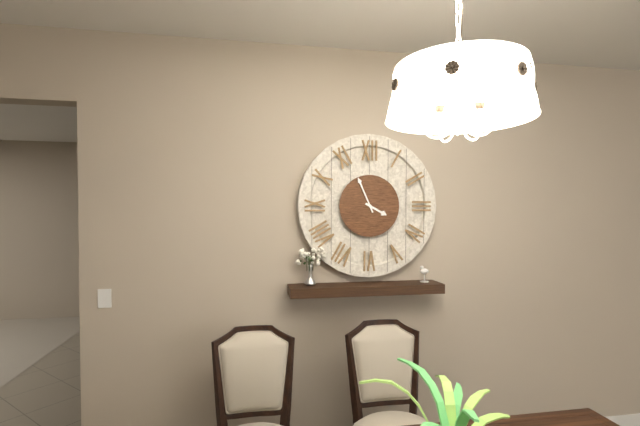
3:56
